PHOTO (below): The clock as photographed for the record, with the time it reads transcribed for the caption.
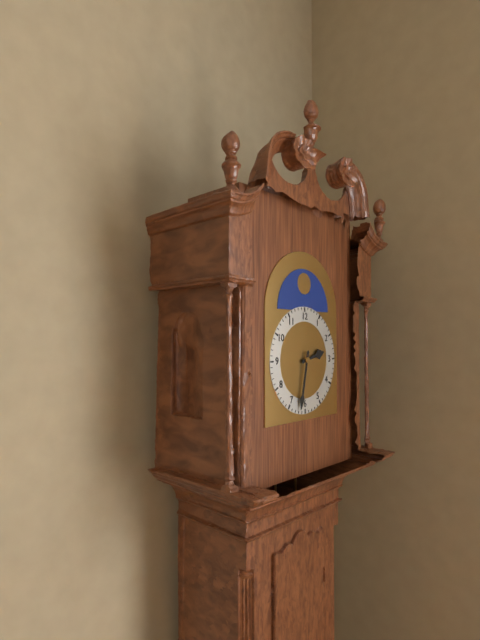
2:32
